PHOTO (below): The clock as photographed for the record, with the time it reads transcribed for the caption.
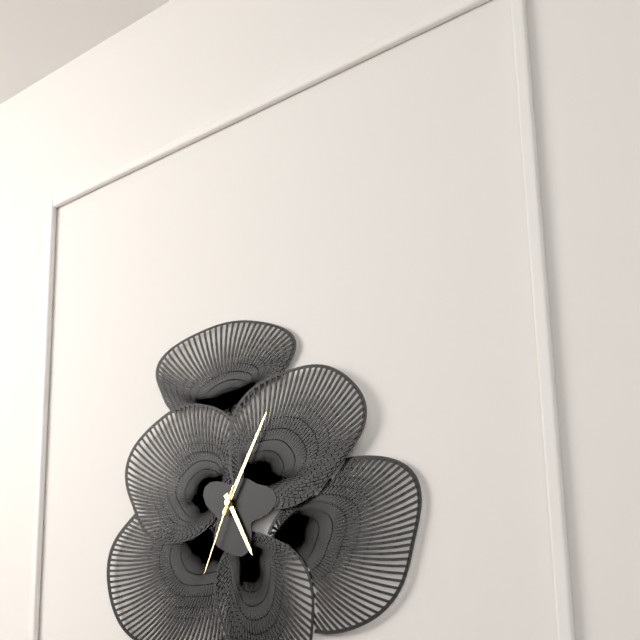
5:05:34
